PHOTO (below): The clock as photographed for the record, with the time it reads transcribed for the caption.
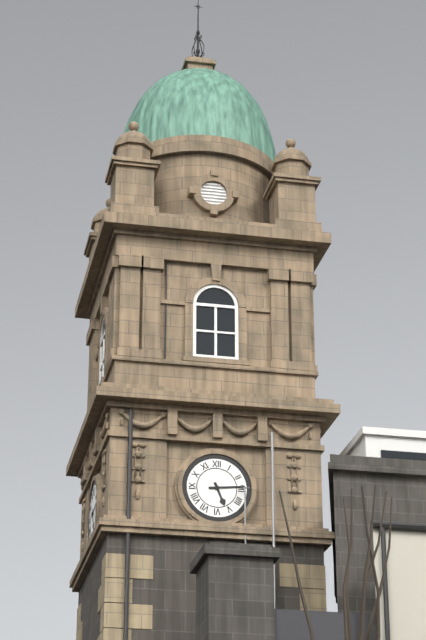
5:14
